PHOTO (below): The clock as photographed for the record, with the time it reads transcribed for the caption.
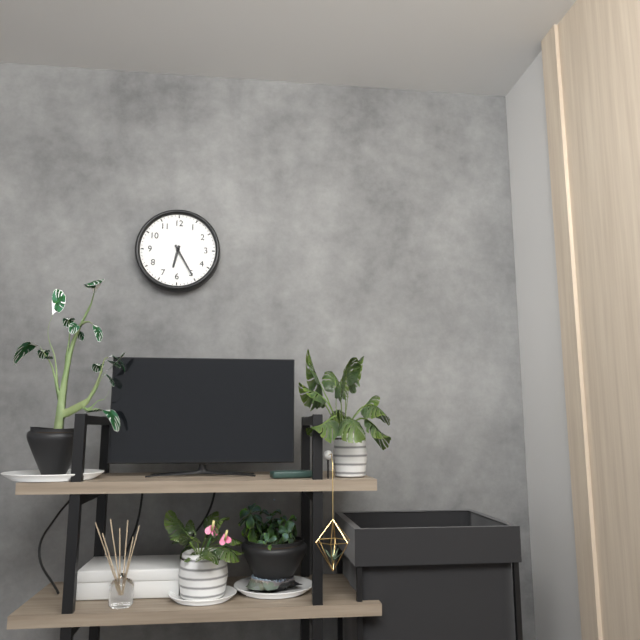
6:25
